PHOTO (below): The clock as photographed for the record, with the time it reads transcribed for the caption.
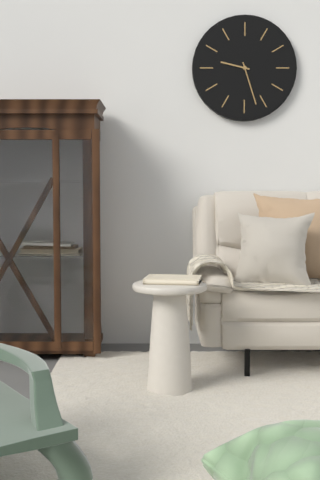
9:27
